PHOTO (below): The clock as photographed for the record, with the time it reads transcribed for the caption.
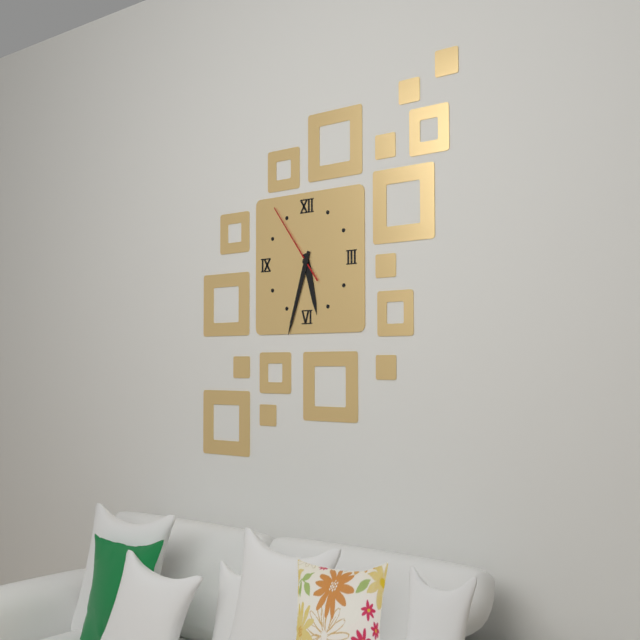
5:33:54
